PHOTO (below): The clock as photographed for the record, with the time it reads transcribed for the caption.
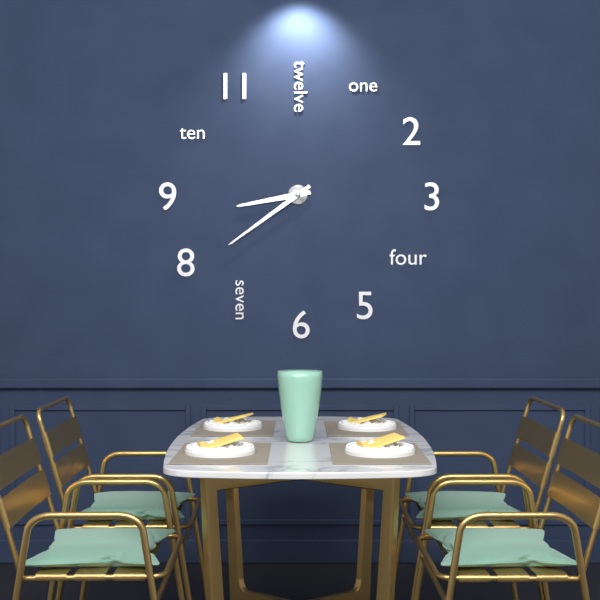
8:39
